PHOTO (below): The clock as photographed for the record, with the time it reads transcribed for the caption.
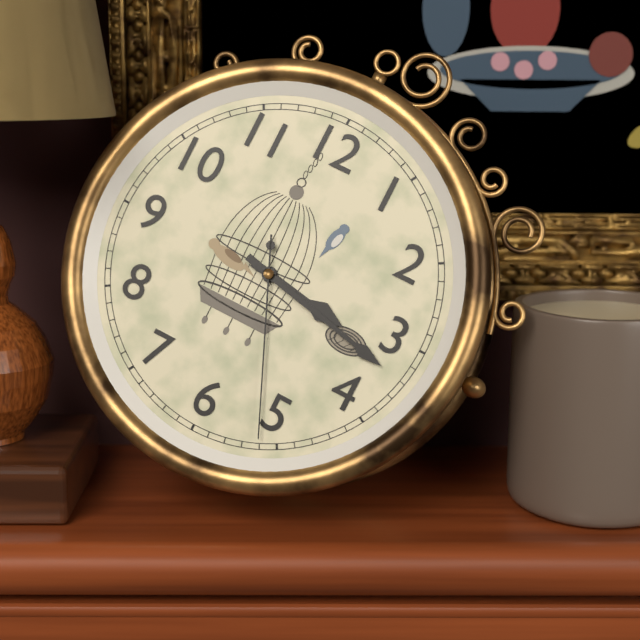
3:17:26
